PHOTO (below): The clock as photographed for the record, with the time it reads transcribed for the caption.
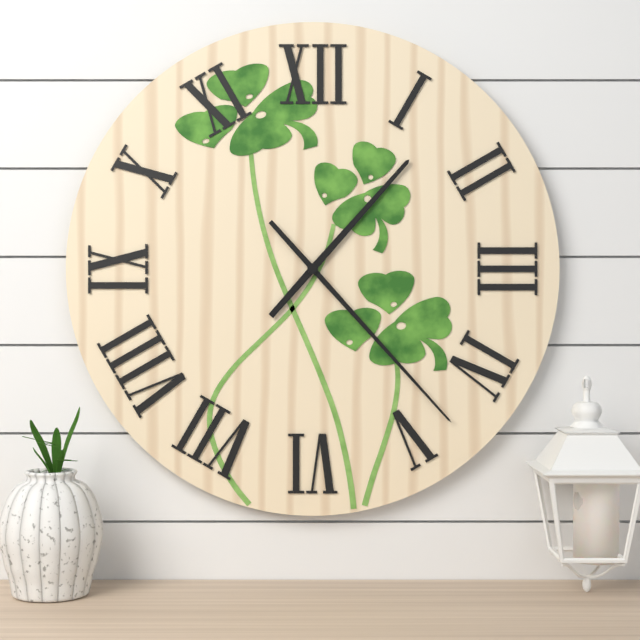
1:23
